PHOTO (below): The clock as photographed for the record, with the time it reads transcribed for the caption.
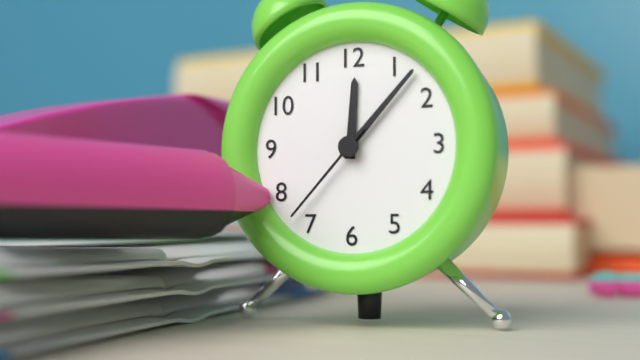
12:07:37
